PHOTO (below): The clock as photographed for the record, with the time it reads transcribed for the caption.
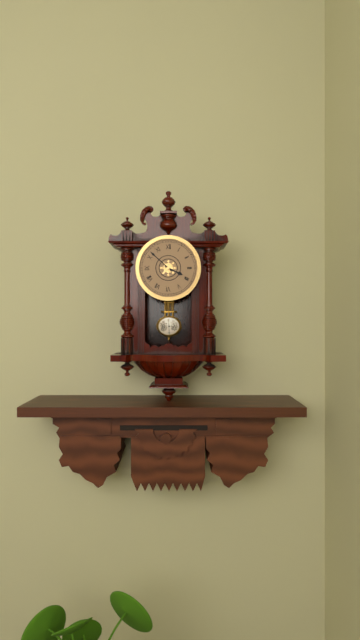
3:52
